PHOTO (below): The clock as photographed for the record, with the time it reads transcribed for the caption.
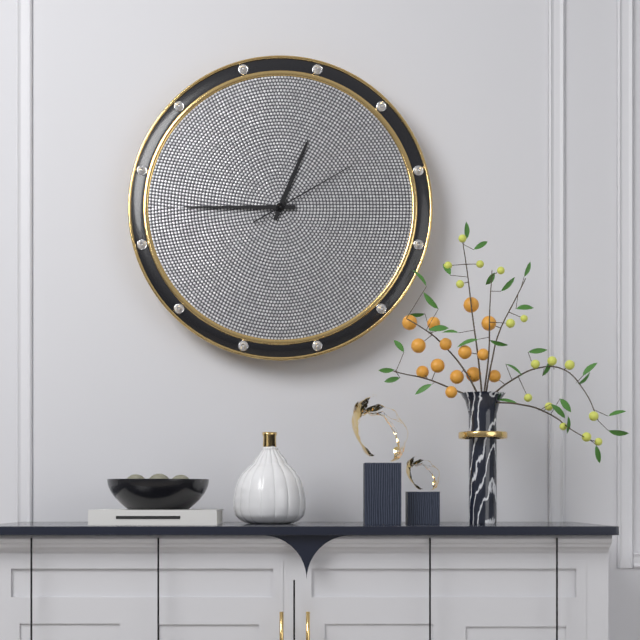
12:45:10
